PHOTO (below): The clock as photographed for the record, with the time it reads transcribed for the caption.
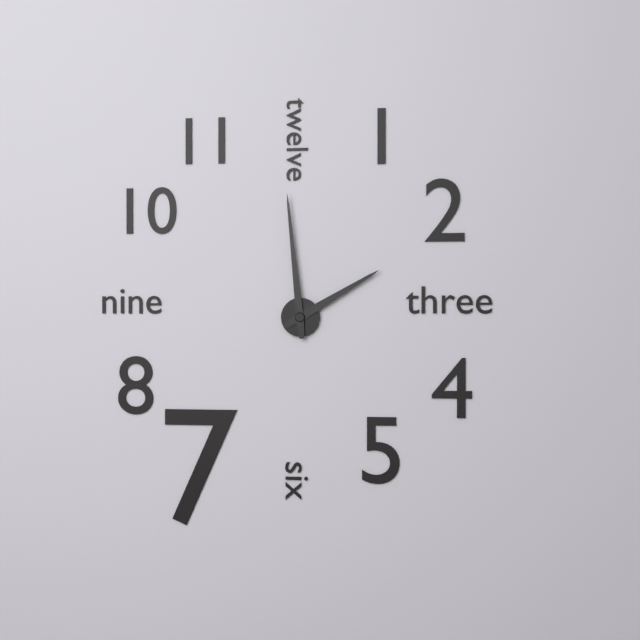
1:59
